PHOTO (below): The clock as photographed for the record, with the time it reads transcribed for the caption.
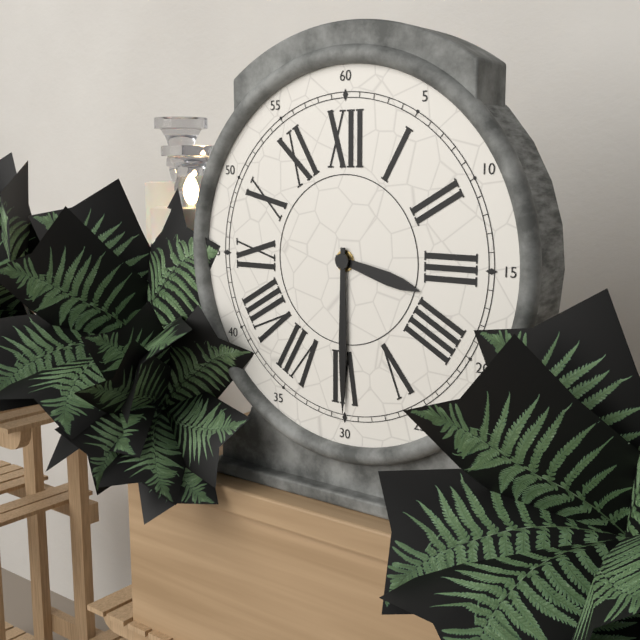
3:30
